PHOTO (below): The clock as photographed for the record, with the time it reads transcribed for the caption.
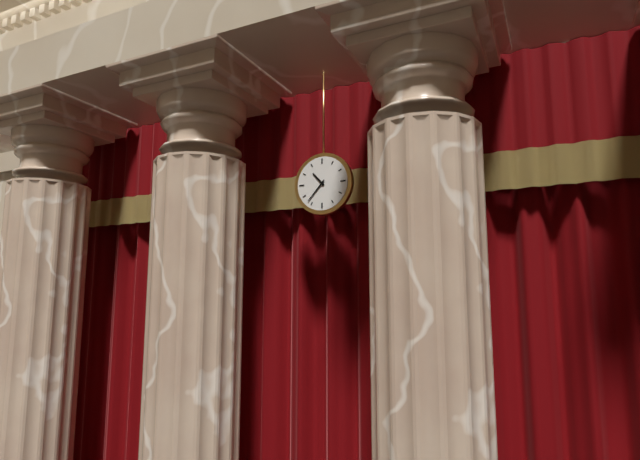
10:37
